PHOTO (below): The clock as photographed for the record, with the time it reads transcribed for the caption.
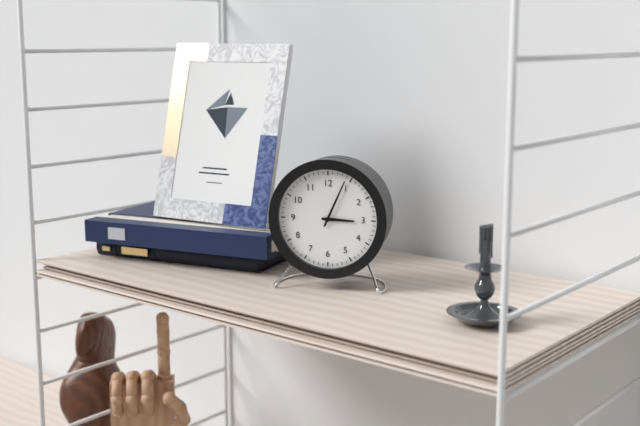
3:04
